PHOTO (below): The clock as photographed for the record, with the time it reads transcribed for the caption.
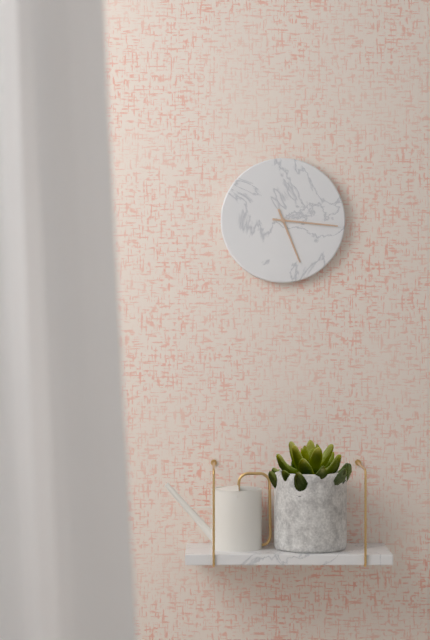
5:16
